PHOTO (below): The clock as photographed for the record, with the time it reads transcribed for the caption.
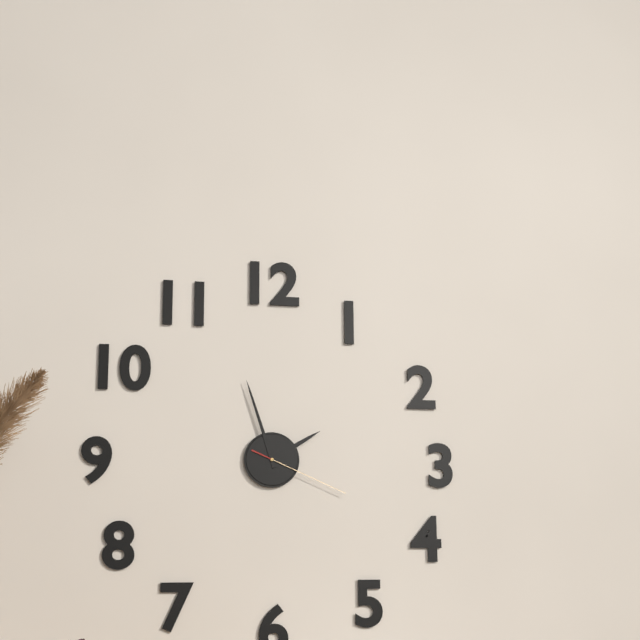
1:57:19
